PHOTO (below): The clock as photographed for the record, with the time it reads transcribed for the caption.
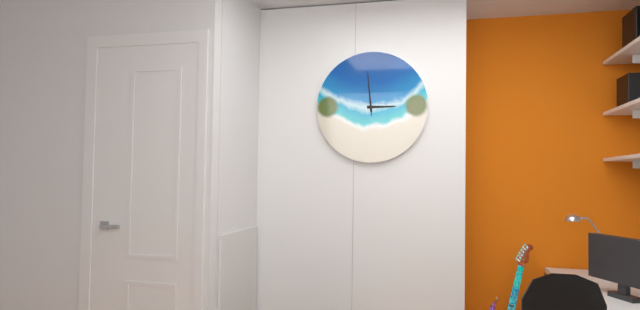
2:59
